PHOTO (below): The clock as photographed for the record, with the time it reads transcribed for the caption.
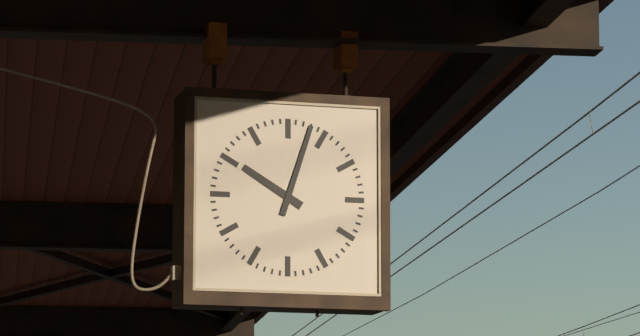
10:03
